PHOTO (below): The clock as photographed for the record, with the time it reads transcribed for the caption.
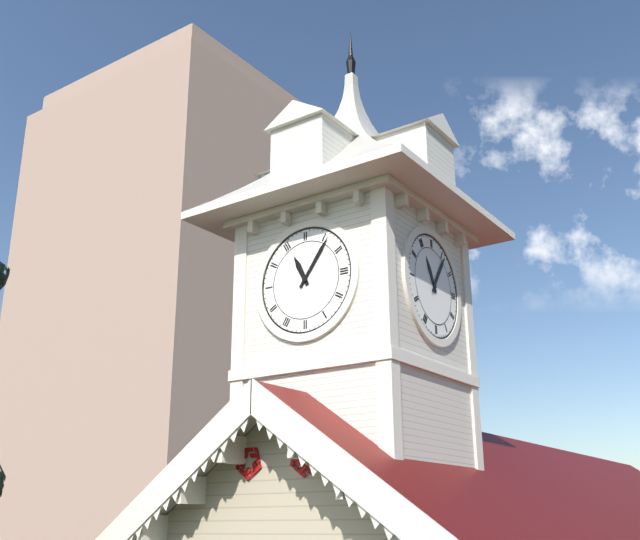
11:06
